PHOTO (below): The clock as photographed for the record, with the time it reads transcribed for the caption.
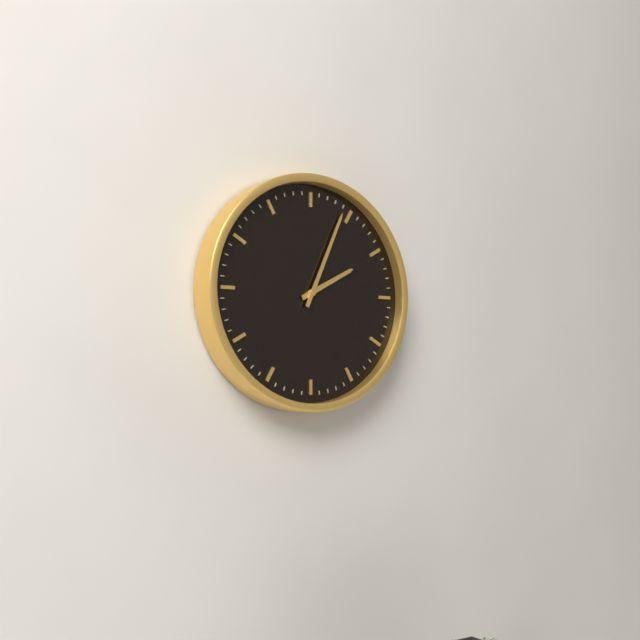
2:04
